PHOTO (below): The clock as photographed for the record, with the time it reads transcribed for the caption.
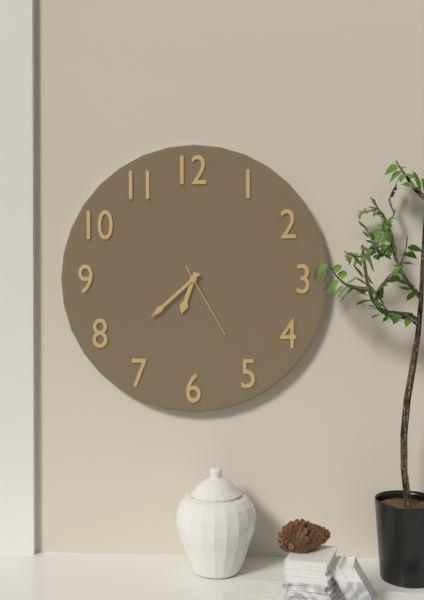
6:38:25
